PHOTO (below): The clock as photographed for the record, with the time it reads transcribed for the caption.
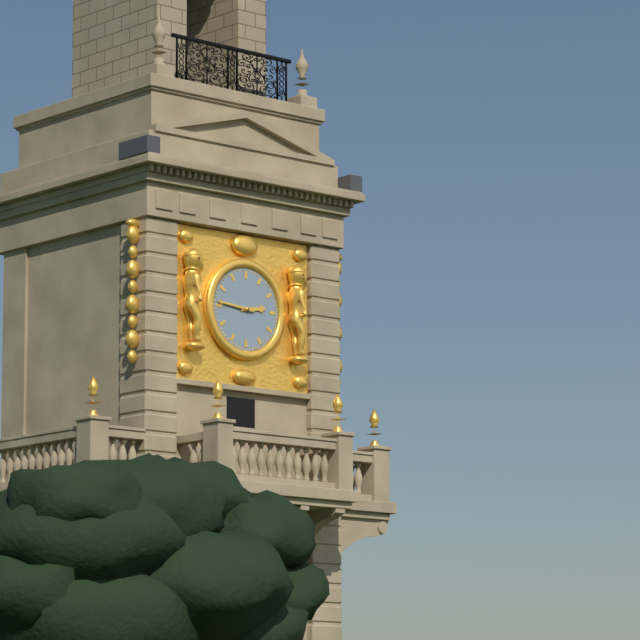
2:46
